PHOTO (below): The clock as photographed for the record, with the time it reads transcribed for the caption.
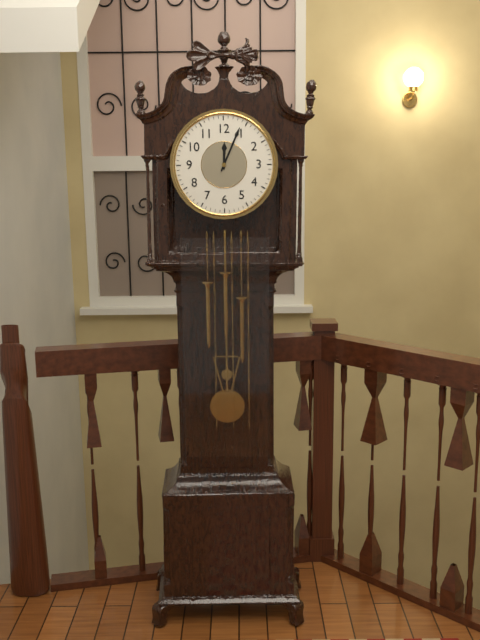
12:04
